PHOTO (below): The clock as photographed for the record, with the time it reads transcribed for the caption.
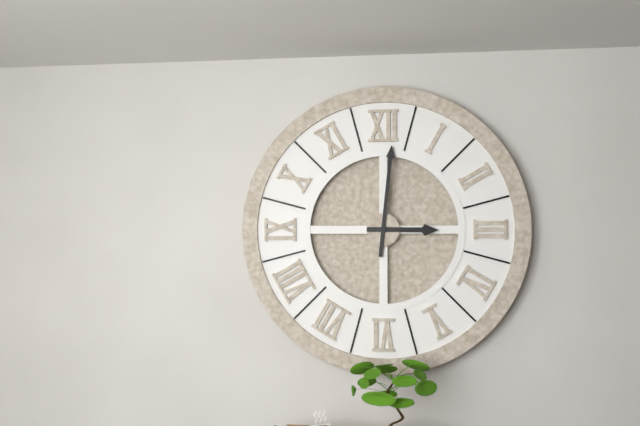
3:01
